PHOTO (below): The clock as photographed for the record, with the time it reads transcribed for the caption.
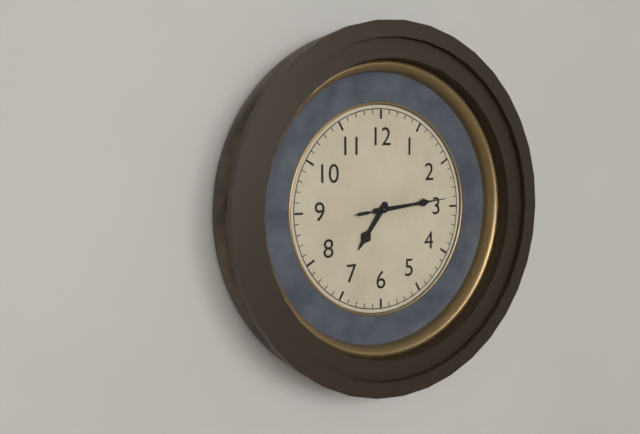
7:14:14
